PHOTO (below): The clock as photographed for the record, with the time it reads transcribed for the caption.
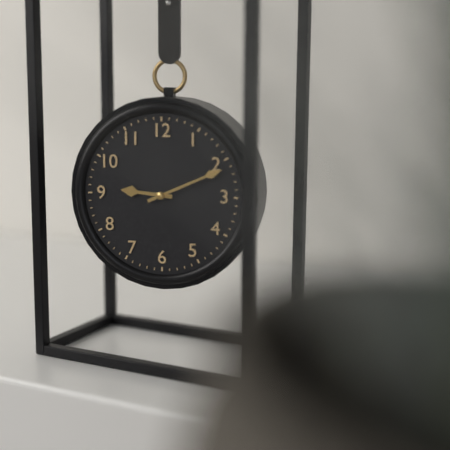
9:11
